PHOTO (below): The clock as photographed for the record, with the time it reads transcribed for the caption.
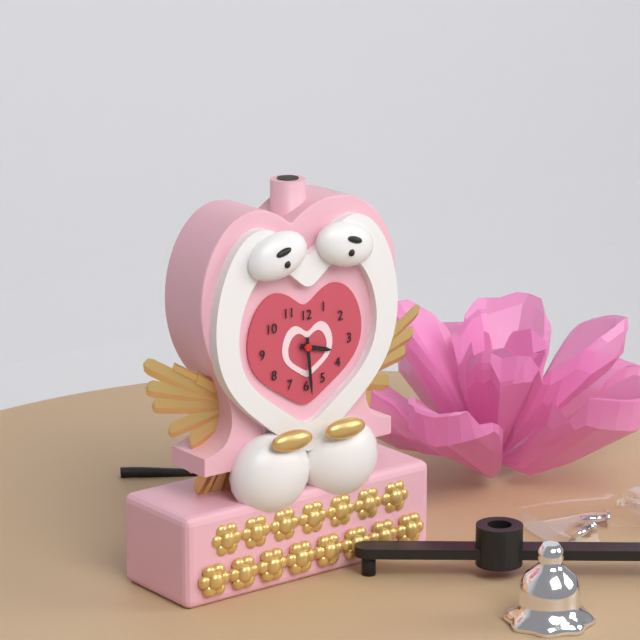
3:29
